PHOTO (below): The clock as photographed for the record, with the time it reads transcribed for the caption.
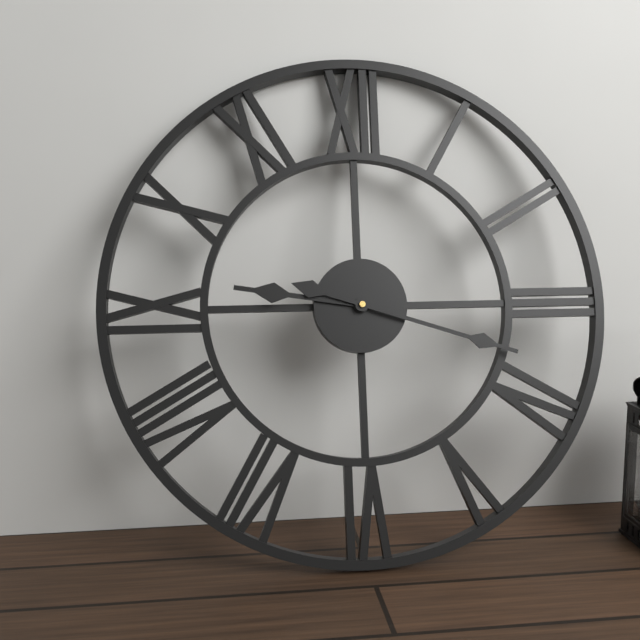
9:18
